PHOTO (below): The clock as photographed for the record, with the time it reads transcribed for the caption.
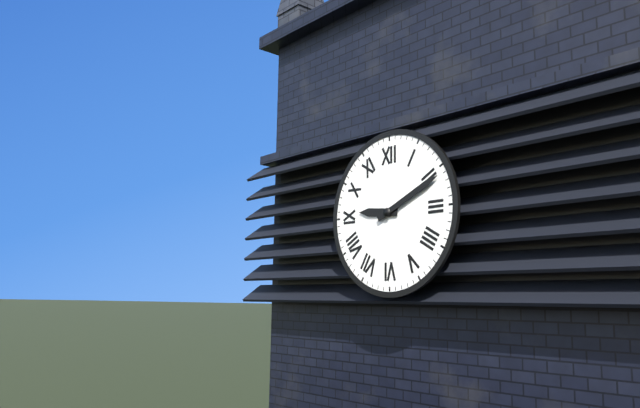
9:11
